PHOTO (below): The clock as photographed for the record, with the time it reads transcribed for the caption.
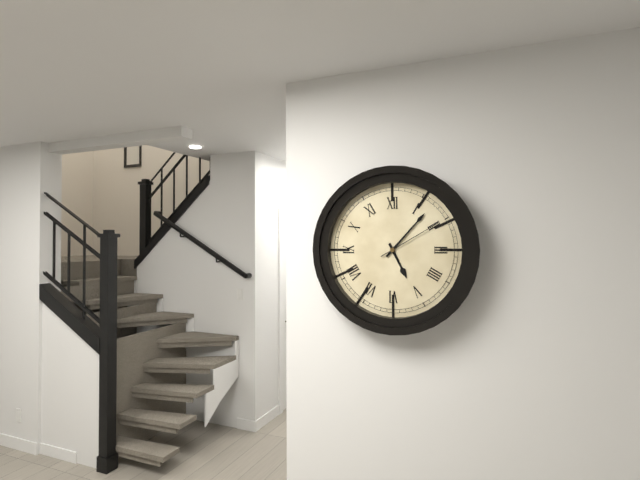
5:07:10
